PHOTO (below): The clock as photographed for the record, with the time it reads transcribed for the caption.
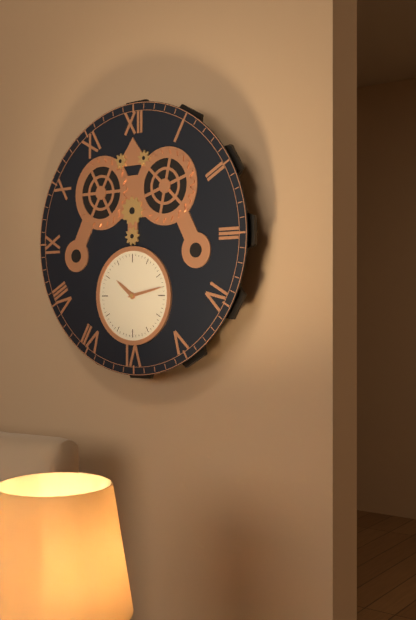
10:13
